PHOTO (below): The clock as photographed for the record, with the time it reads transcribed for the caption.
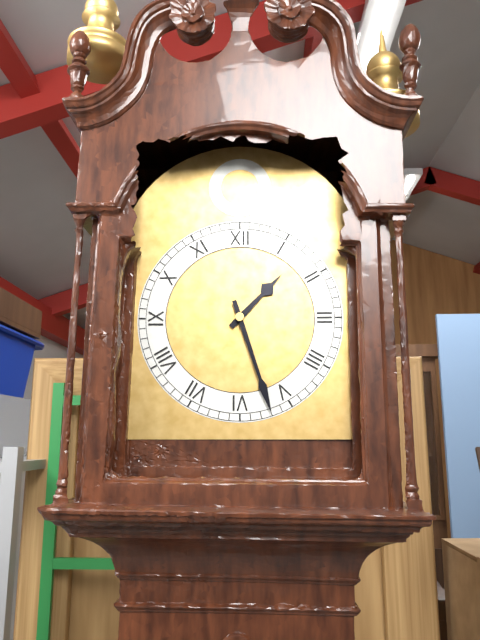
1:27
